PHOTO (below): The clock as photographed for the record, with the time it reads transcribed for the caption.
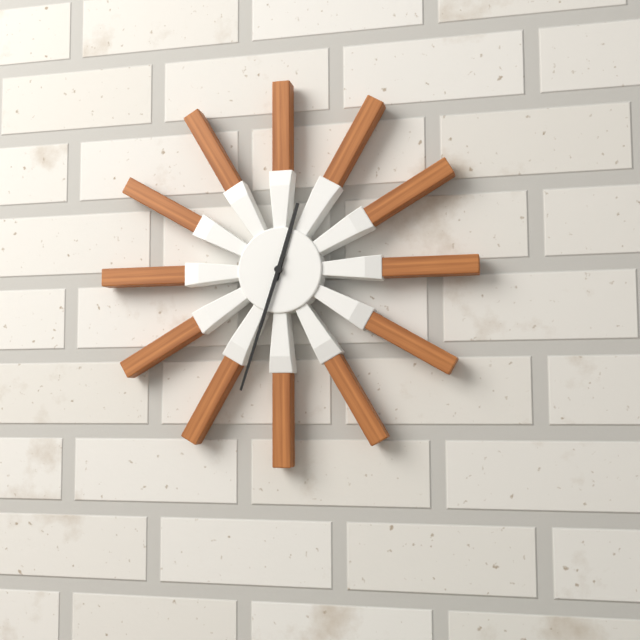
12:33
